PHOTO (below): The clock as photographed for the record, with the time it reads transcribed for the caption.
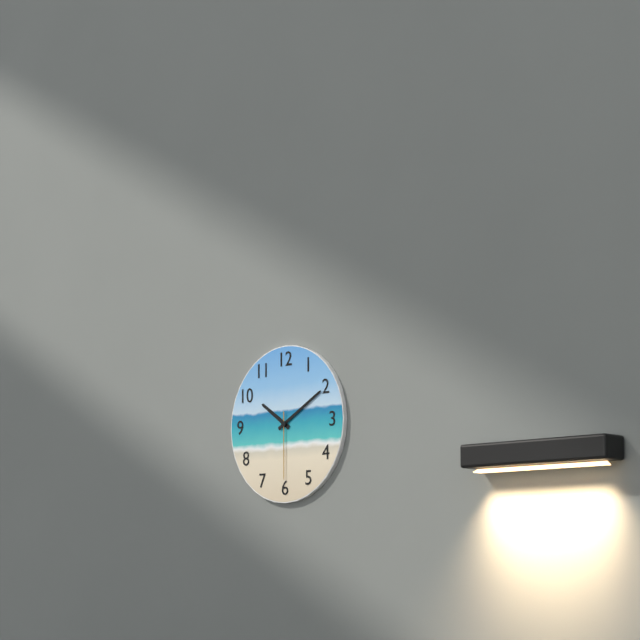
10:10:30
